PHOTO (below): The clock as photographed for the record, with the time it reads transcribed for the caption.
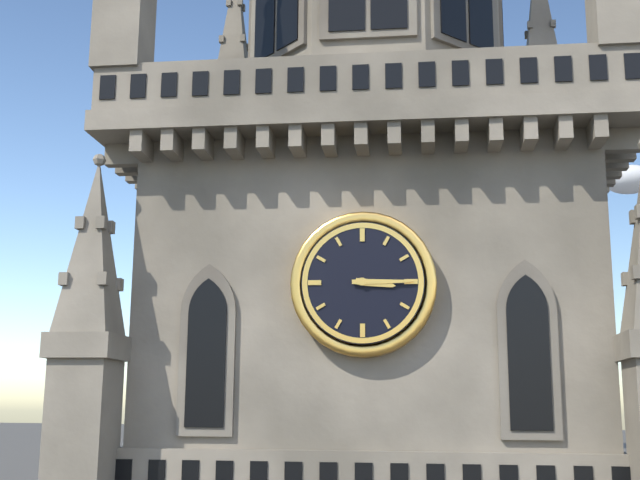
3:15
